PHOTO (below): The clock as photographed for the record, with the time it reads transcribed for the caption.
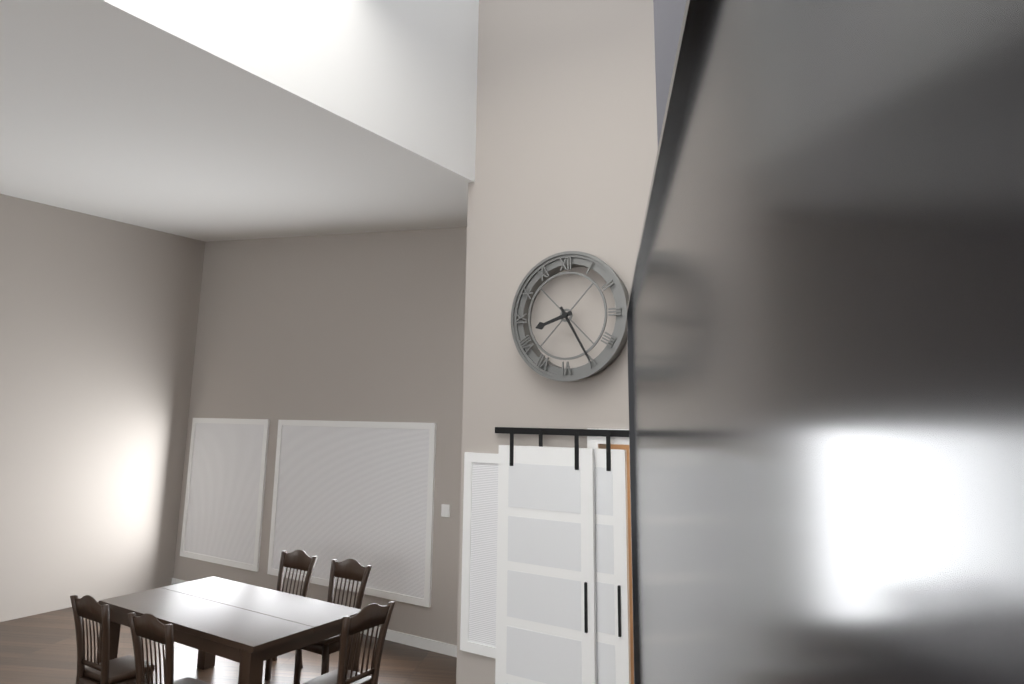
8:25
